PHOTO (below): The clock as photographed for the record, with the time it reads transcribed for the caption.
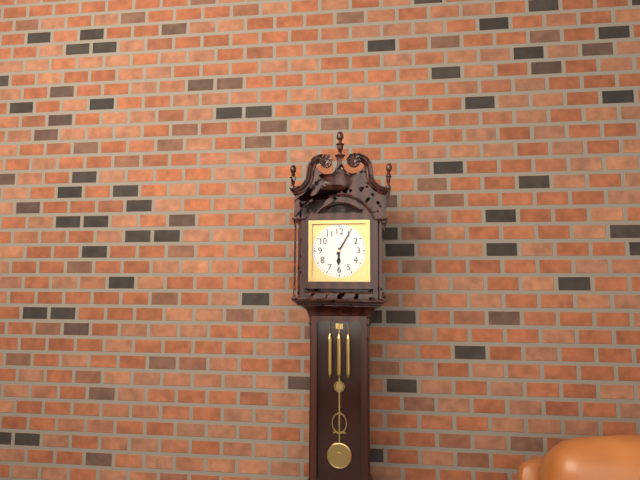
6:05
